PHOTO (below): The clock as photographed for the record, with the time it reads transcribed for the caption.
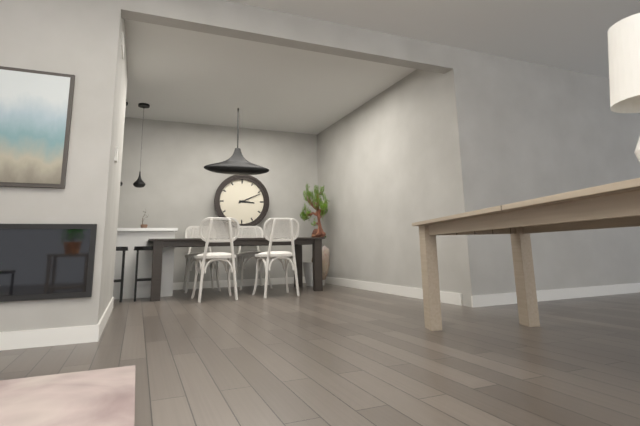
3:11
